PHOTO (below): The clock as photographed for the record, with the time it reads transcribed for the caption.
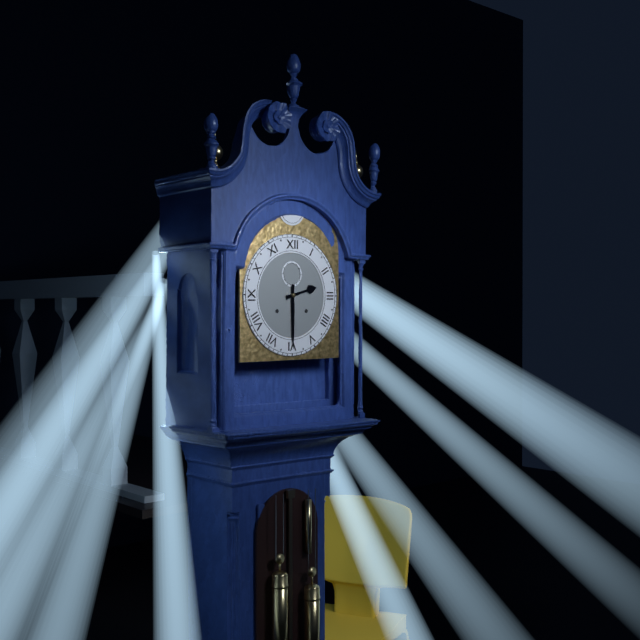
2:30
